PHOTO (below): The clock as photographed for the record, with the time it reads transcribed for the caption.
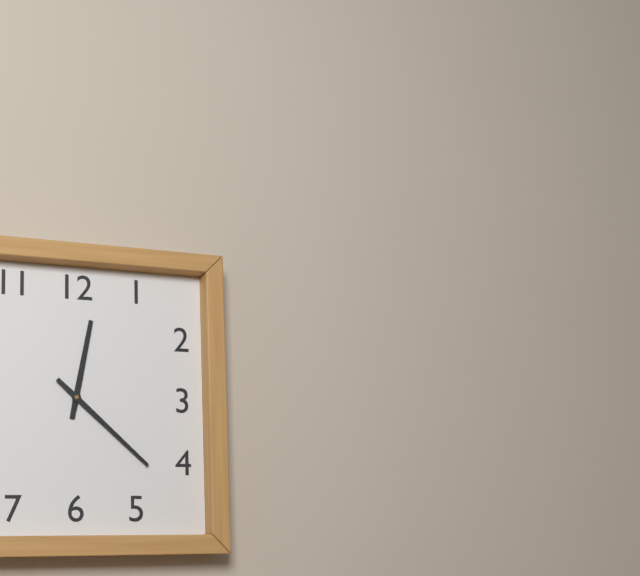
12:22
